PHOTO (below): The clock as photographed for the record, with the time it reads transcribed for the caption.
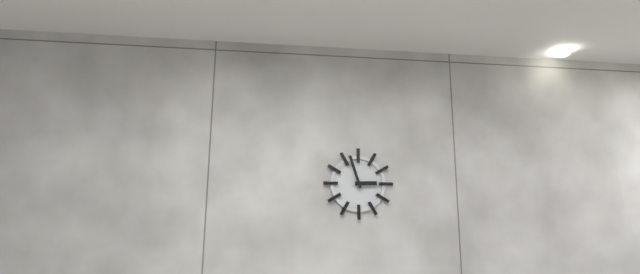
2:57
